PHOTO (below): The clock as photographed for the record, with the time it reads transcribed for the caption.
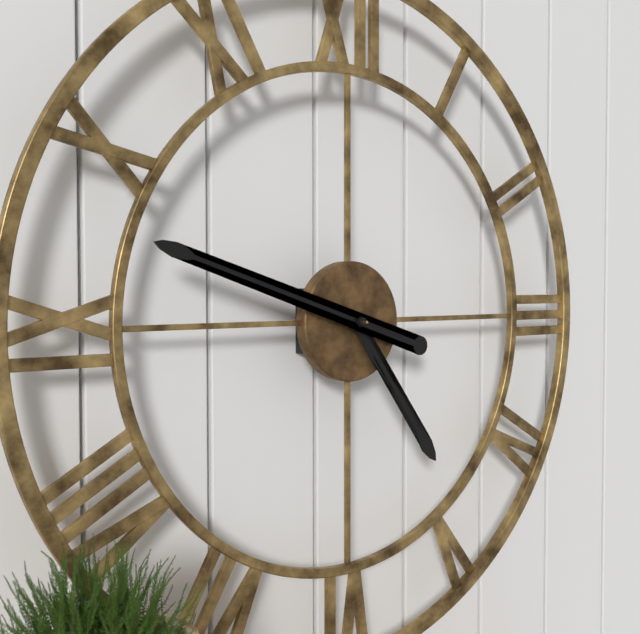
4:48
